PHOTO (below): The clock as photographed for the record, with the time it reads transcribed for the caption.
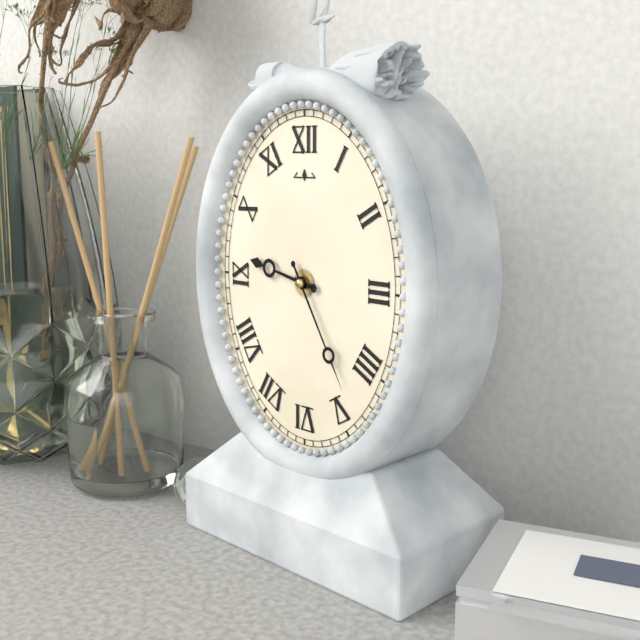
9:25
